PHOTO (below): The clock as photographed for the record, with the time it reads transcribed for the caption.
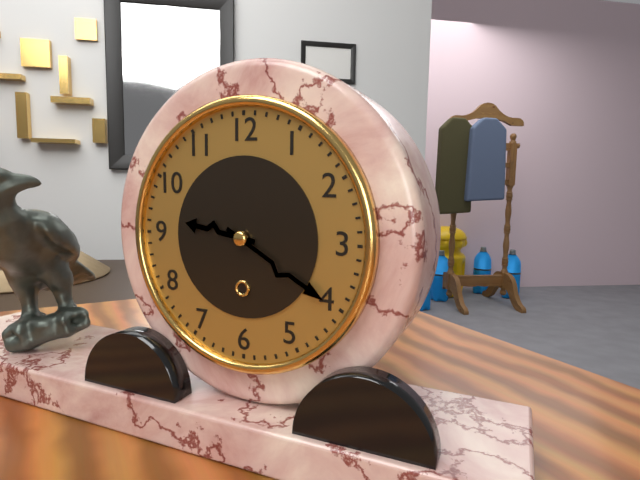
9:20
